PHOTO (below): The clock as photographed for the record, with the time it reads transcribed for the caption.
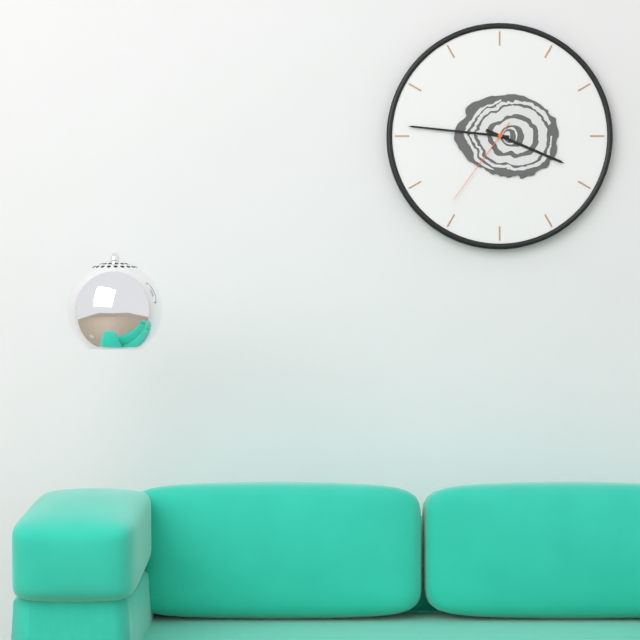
3:46:36
